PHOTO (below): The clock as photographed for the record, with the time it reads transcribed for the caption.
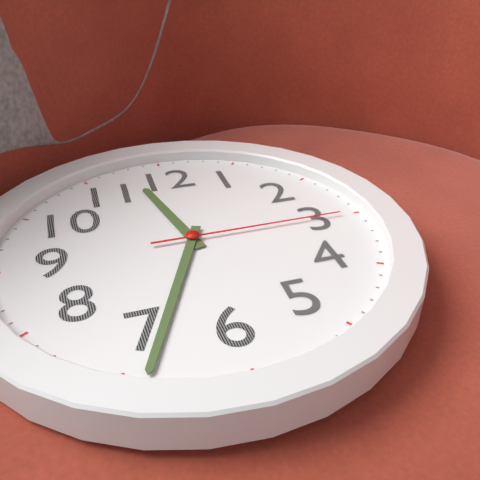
11:34:15
